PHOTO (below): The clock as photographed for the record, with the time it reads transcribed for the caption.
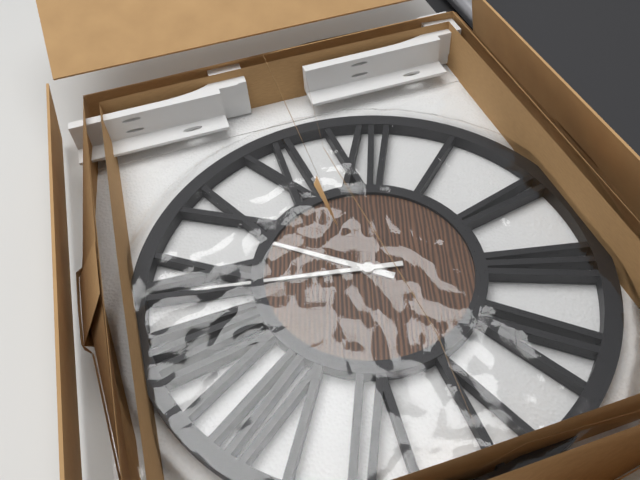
9:44
